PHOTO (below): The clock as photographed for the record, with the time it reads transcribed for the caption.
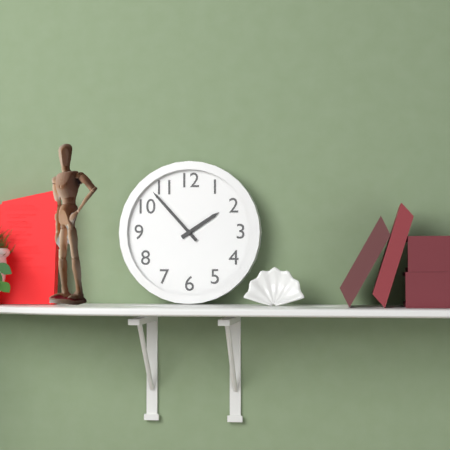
1:53
